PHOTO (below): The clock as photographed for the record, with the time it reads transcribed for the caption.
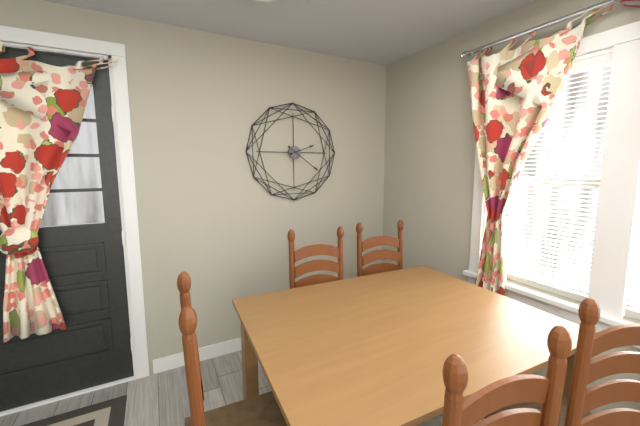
2:21
